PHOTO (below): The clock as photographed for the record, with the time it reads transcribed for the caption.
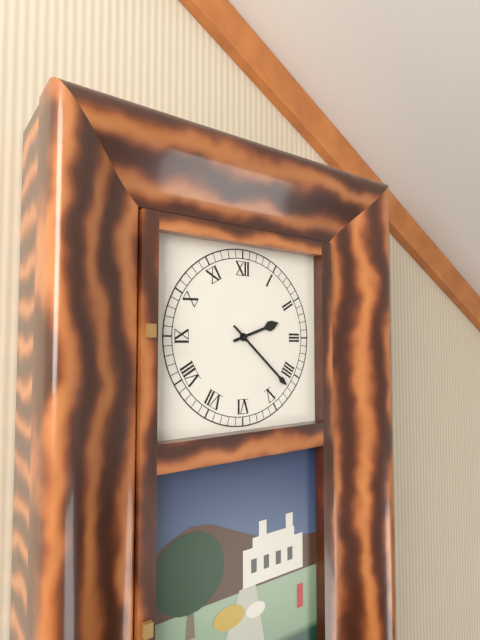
2:22
